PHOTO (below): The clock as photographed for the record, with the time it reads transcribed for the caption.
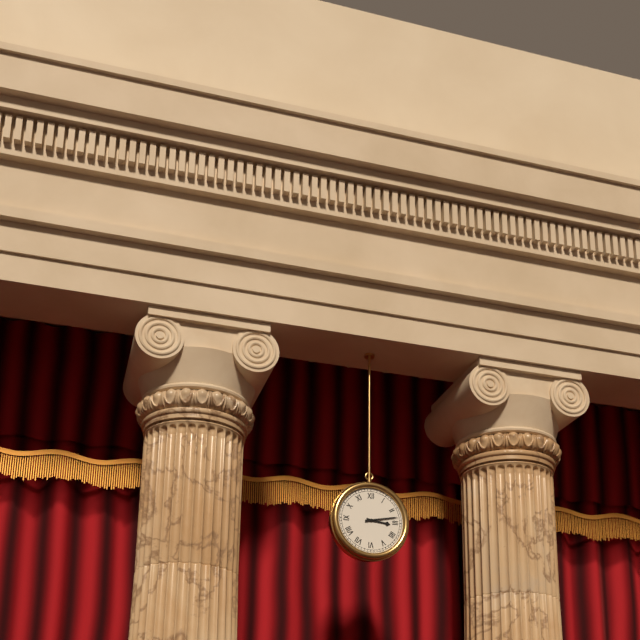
3:13
